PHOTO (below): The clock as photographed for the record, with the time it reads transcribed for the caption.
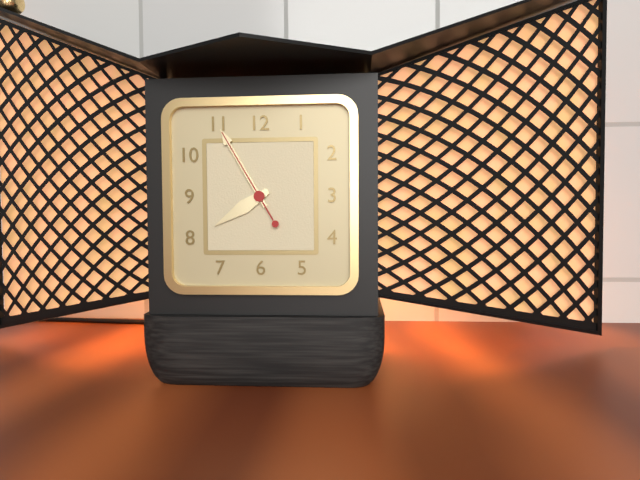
7:55:55
